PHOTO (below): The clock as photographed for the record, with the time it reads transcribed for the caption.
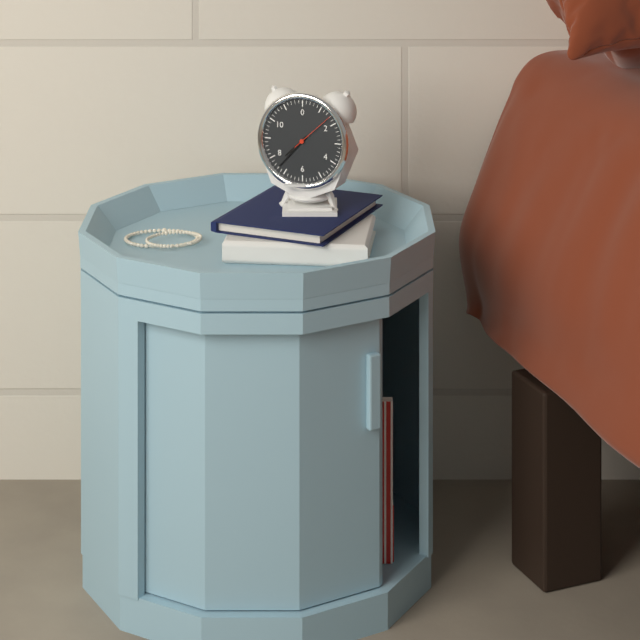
7:37
